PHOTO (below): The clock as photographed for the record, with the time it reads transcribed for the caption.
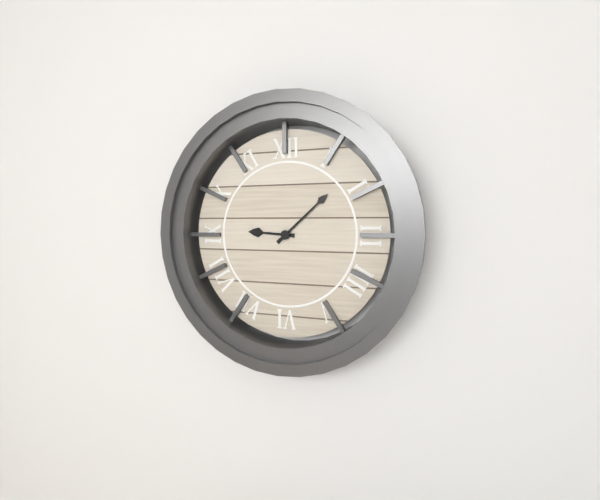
9:08
